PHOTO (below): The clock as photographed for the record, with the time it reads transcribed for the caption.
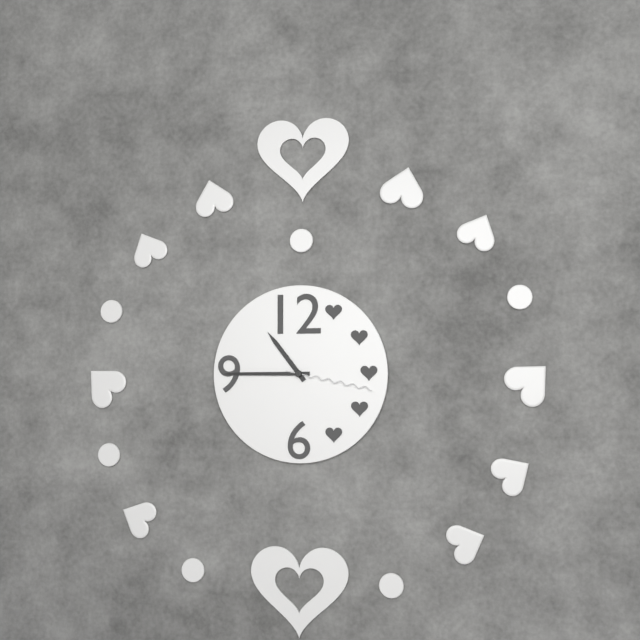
10:45:17
